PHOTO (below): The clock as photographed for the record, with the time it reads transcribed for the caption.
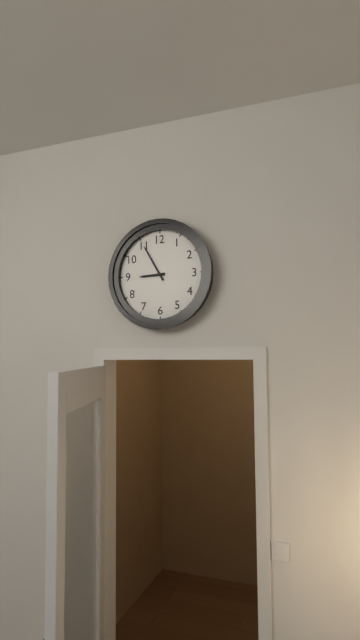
8:55
